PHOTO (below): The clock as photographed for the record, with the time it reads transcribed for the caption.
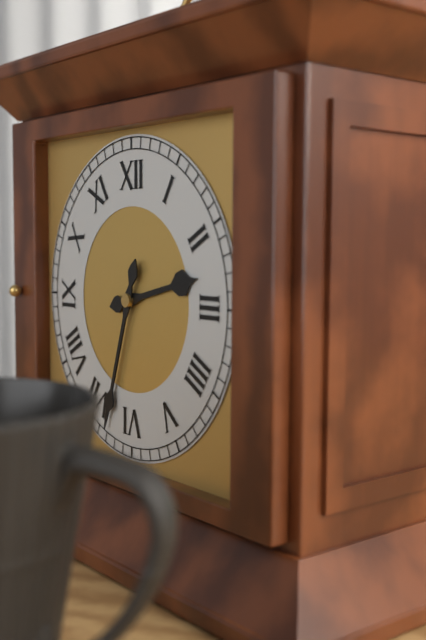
2:33
